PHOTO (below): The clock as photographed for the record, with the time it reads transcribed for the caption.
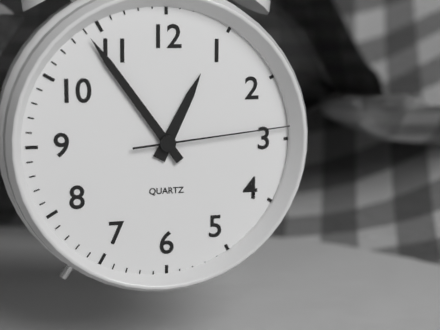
12:54:14
